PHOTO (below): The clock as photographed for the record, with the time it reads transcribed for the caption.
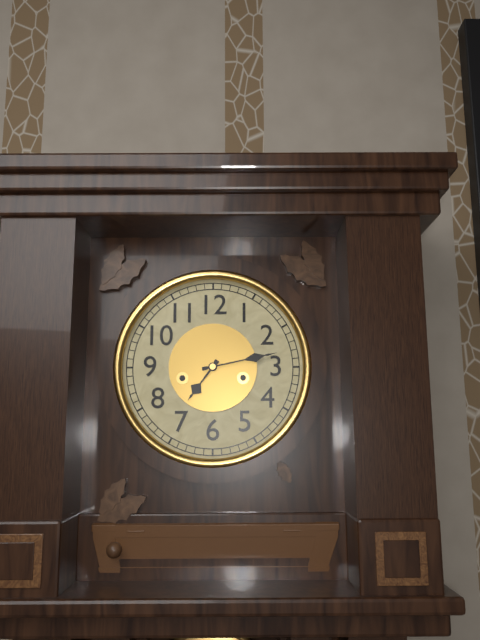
7:13
